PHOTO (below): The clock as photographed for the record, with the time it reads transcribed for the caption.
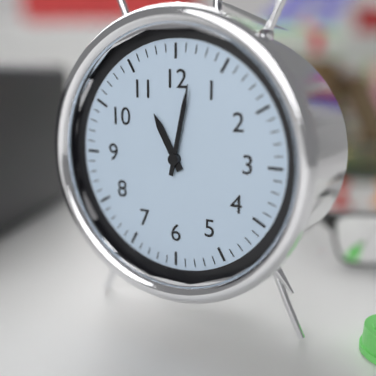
11:02
